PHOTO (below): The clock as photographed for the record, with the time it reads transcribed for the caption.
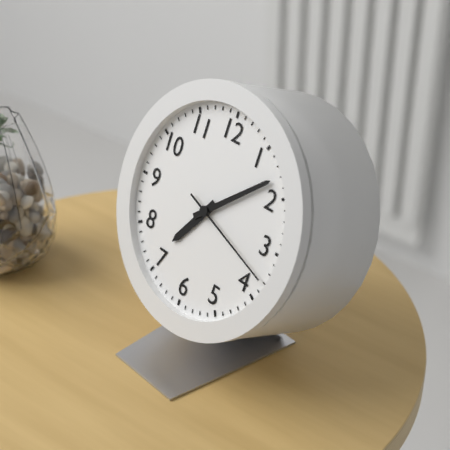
7:08:18
